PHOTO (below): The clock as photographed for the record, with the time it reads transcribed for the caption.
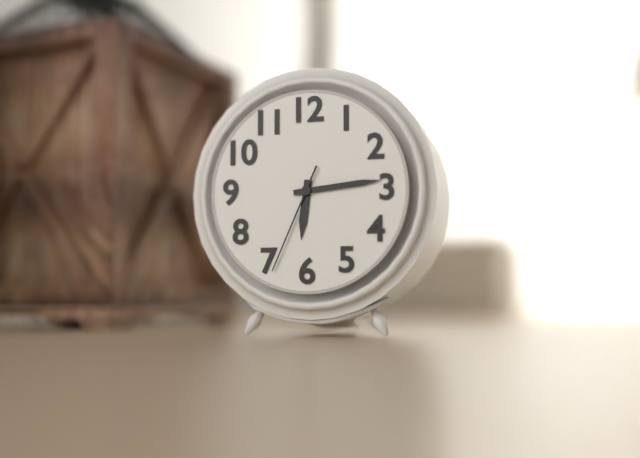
6:14:34
